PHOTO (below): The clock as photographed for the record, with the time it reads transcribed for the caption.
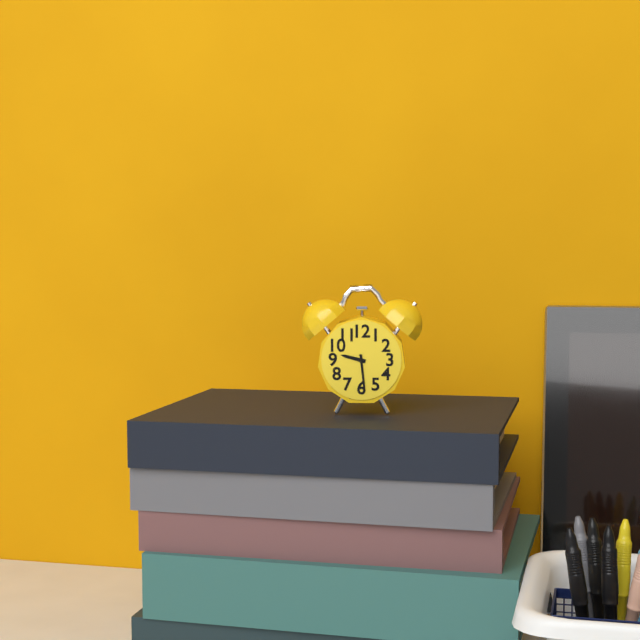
9:29
